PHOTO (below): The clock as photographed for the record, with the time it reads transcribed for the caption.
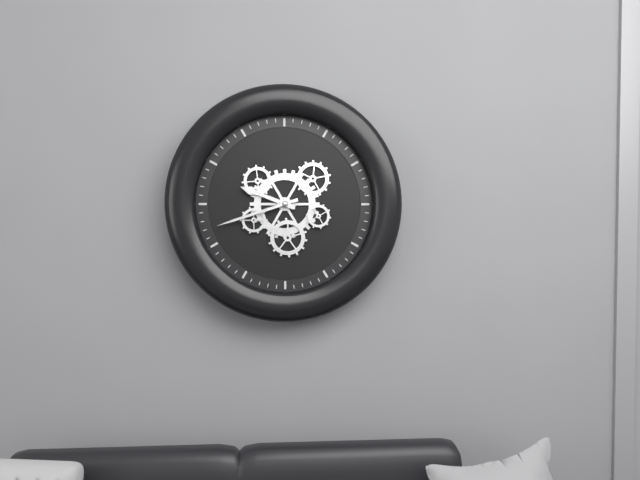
9:42
